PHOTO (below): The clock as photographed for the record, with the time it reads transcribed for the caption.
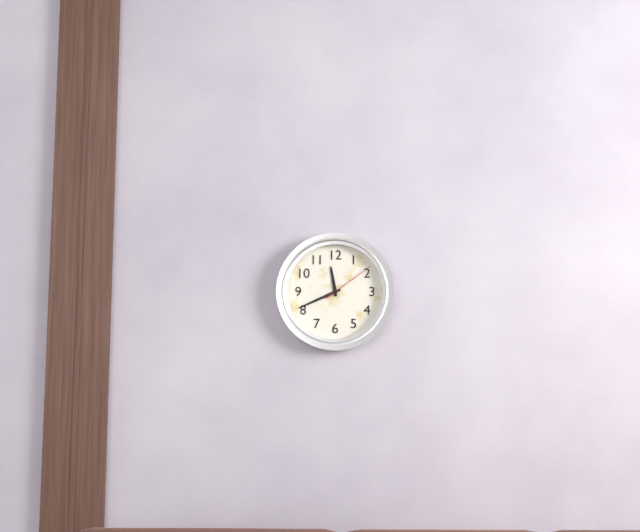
11:41:09
